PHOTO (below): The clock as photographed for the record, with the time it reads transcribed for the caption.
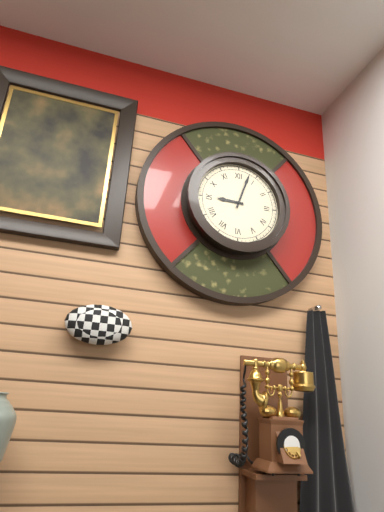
9:03
